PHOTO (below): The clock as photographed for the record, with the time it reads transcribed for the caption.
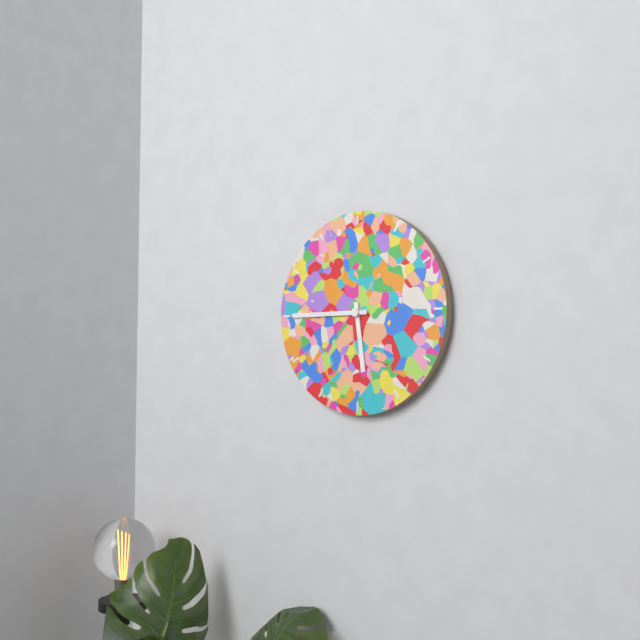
5:45
